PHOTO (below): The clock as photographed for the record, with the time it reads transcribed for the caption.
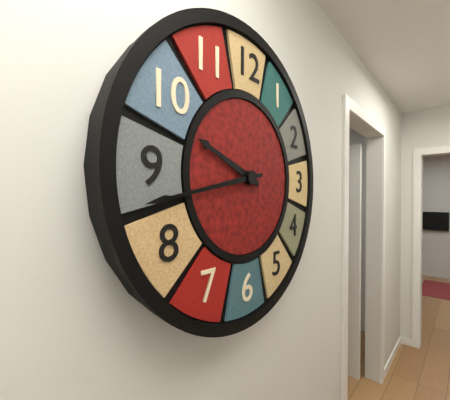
9:43
